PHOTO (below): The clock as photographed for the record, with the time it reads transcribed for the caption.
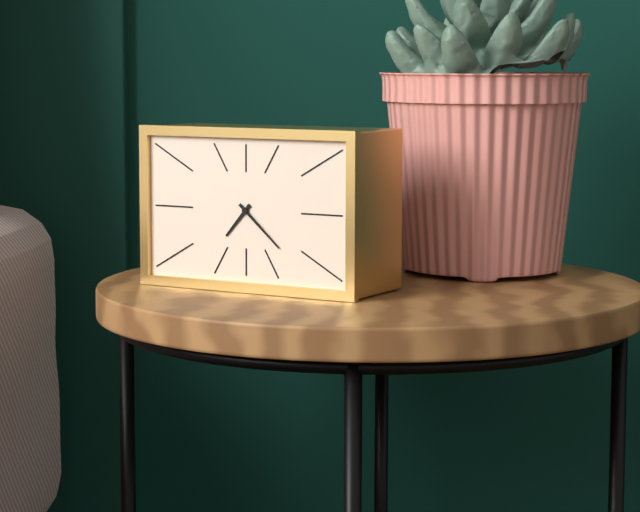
7:22
